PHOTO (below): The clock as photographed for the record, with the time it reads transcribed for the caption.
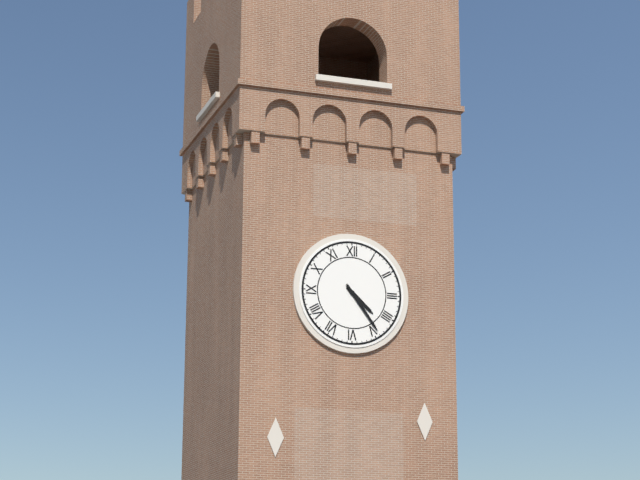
4:24
